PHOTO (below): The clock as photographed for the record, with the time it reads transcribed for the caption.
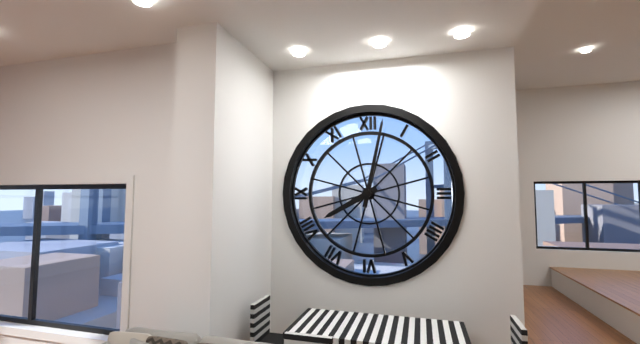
8:02
